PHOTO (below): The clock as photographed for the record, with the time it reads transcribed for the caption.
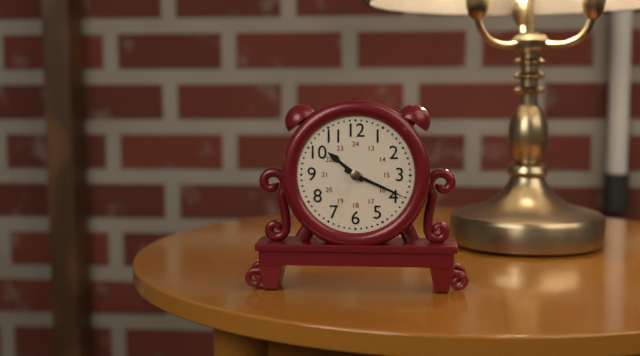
10:19
